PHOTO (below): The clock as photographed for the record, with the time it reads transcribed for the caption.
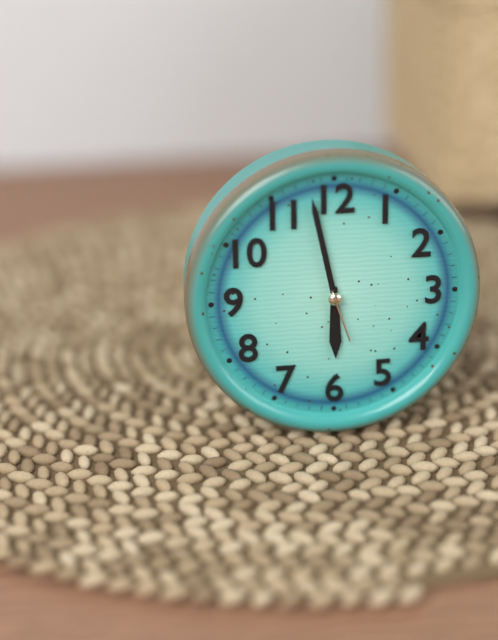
5:58:27
